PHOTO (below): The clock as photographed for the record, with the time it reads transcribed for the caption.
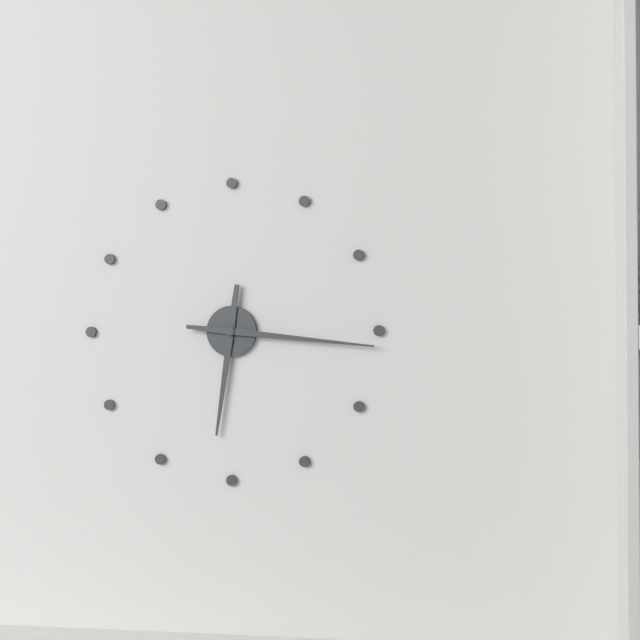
6:16
